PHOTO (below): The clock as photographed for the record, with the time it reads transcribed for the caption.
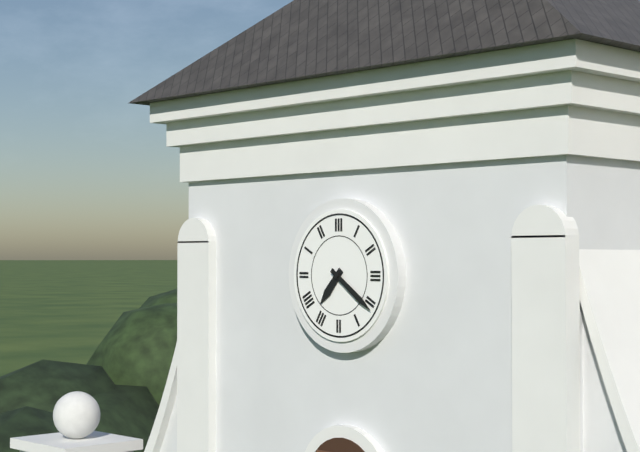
7:21
